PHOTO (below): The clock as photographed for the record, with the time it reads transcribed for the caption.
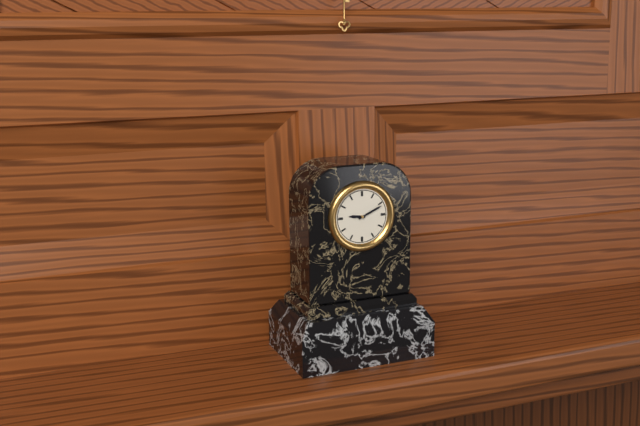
9:11
